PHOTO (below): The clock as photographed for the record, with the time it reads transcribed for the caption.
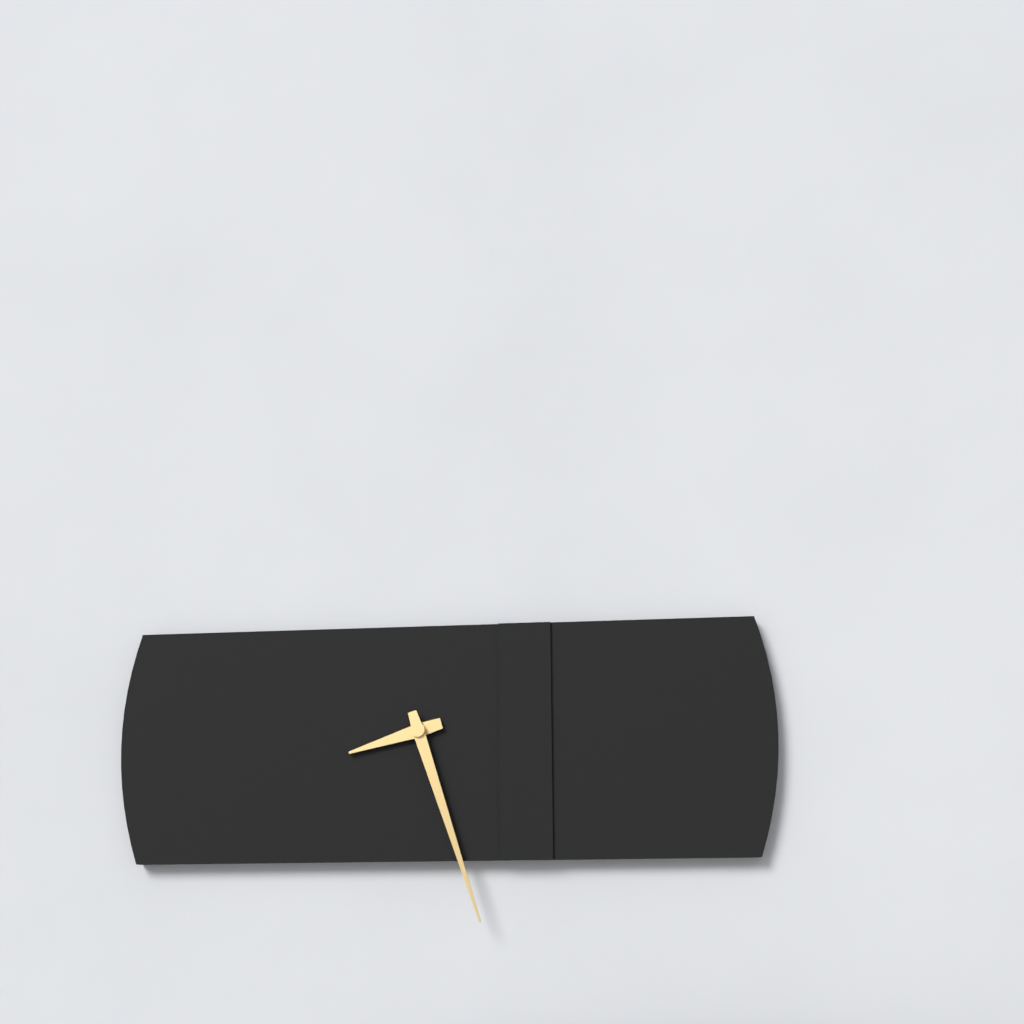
8:27
